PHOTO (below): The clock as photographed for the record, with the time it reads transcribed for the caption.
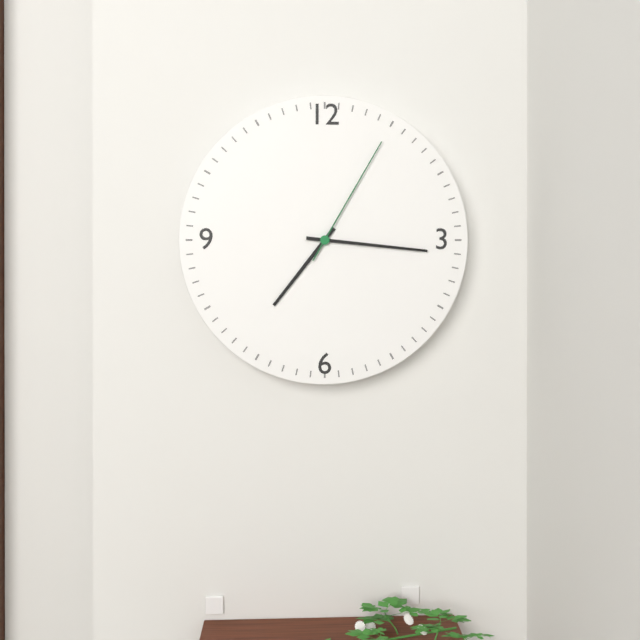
7:16:05
